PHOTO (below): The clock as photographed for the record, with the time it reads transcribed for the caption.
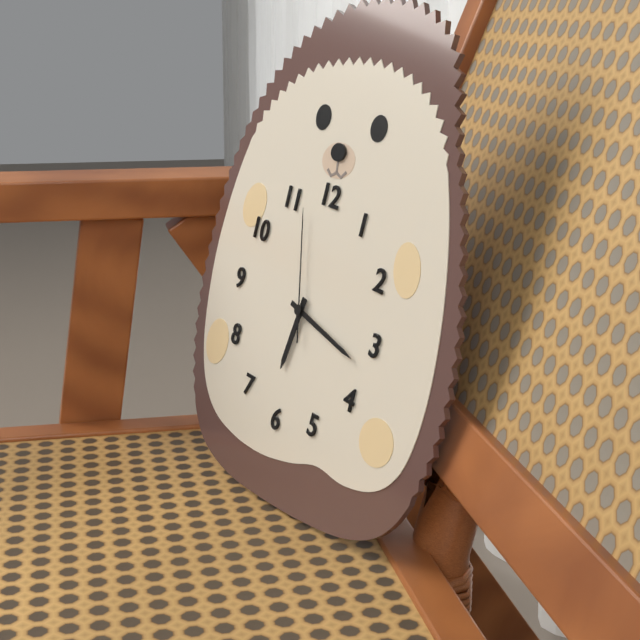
6:17:57
